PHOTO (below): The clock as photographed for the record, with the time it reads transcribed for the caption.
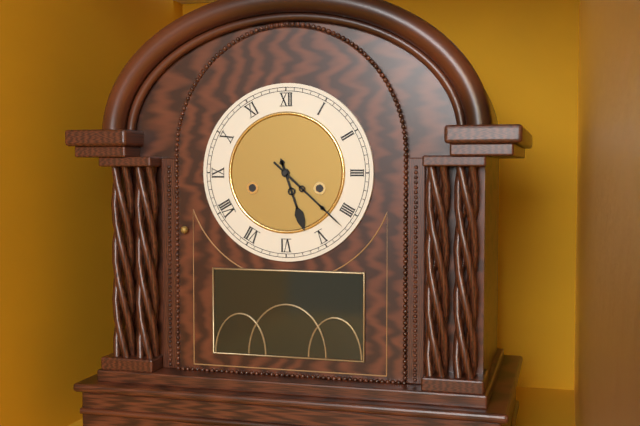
5:22
